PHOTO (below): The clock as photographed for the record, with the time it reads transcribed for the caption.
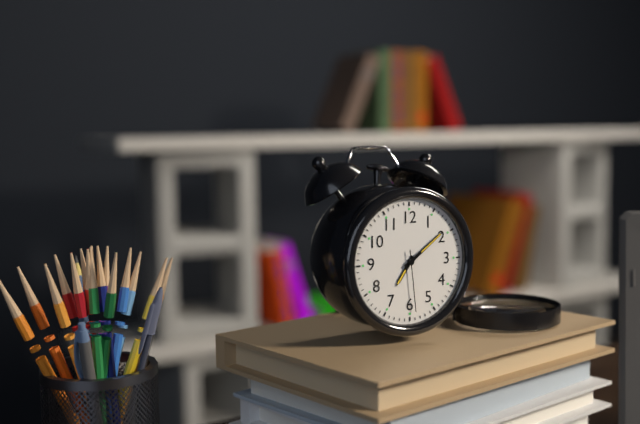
7:09:29
